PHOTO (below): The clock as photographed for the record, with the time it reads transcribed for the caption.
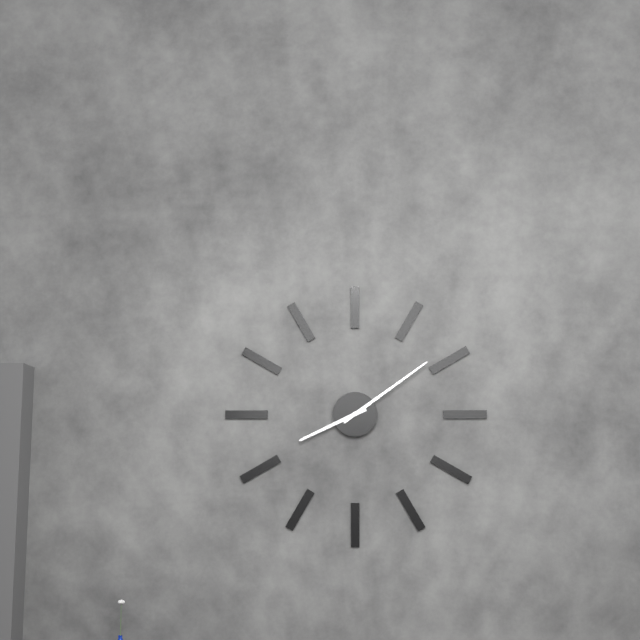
8:09
